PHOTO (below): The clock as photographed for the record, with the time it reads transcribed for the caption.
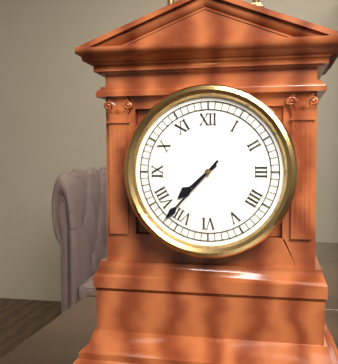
7:37
